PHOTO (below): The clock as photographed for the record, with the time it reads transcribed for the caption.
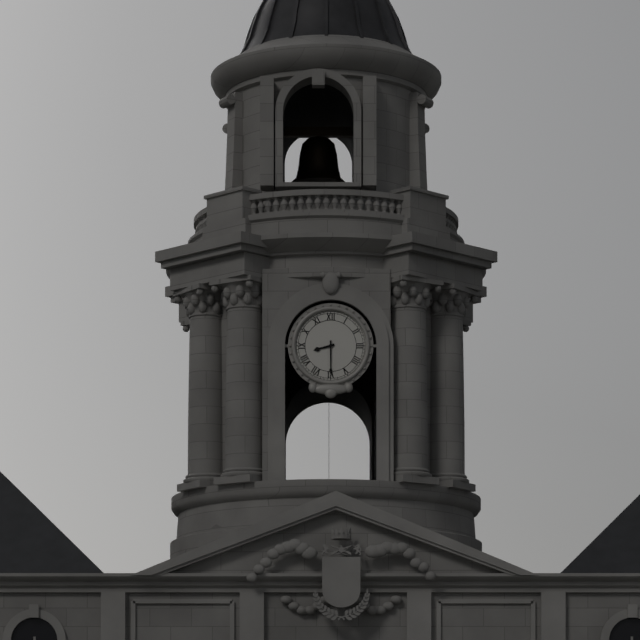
8:30
